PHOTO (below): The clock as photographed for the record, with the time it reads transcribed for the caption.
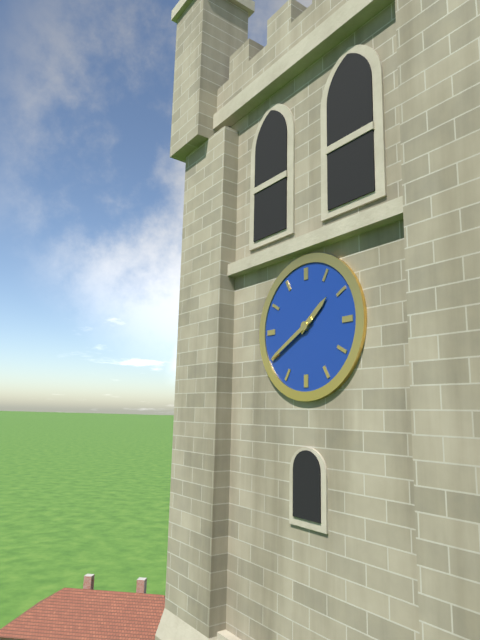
1:40
